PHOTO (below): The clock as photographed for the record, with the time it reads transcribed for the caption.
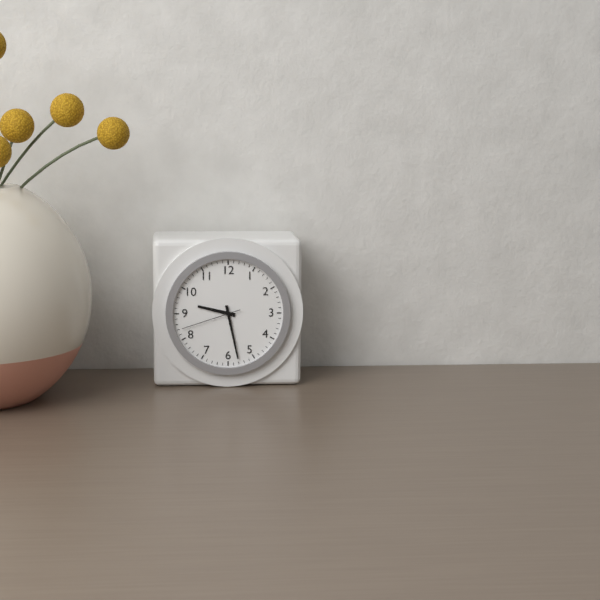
9:28:42
